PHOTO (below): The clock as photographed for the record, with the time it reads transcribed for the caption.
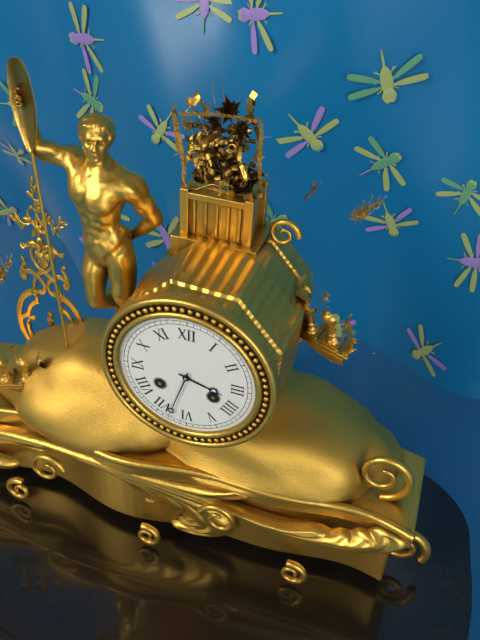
3:33
